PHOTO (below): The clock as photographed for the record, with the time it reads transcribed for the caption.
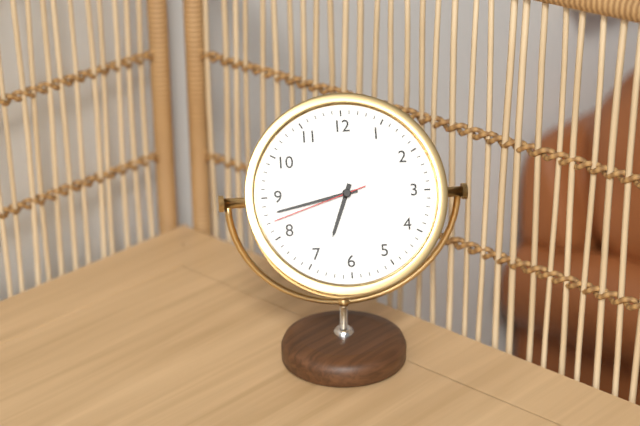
6:43:42
